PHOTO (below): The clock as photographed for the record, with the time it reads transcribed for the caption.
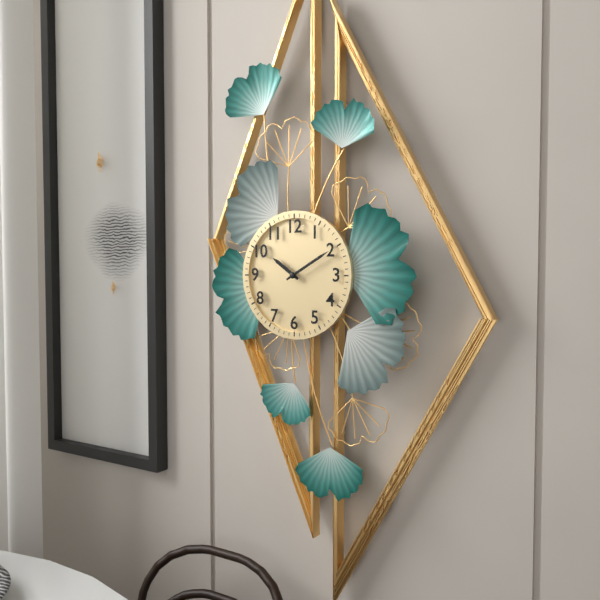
10:10
